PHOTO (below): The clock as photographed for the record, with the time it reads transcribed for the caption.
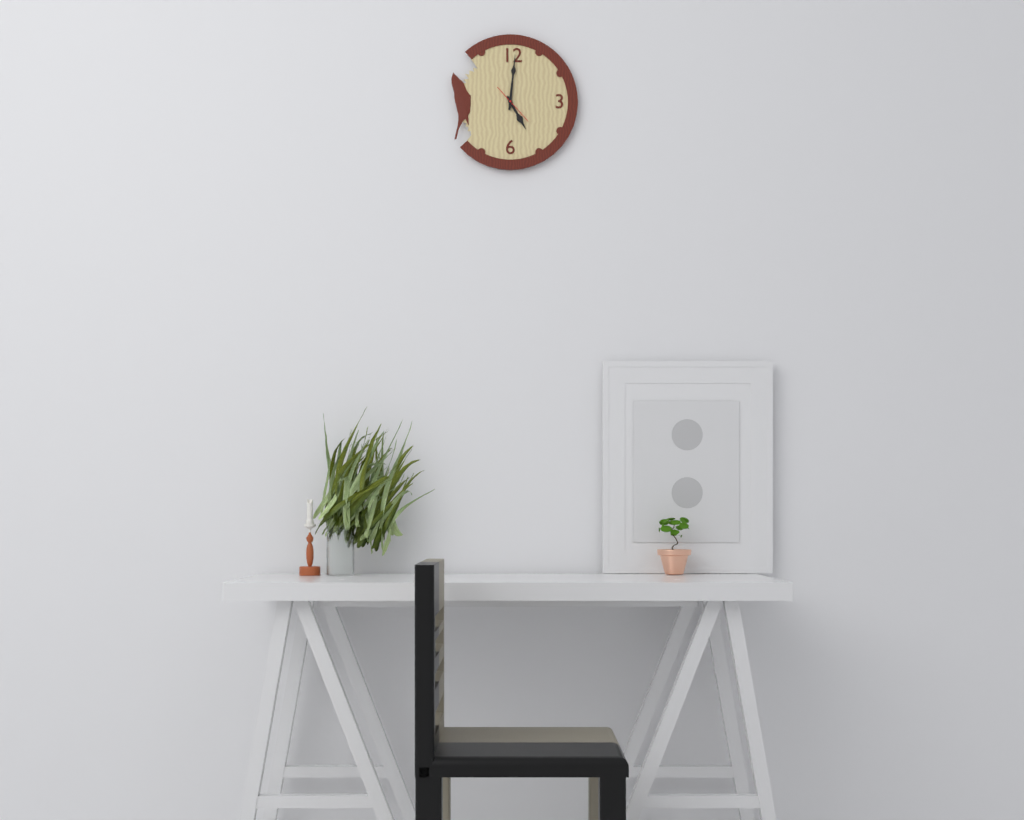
5:01
